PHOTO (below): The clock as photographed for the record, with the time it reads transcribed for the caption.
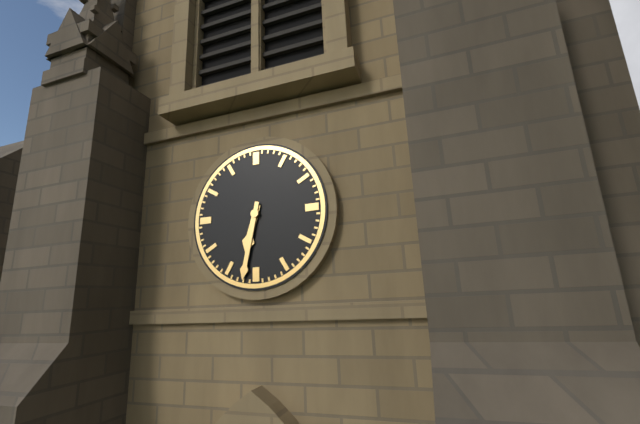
6:32
